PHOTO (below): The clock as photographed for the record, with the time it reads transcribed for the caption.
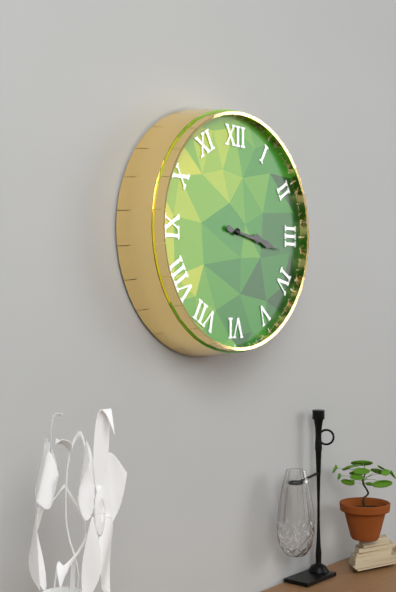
3:17
